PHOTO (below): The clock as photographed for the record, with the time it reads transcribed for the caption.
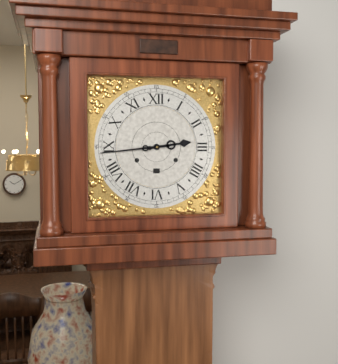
2:44
